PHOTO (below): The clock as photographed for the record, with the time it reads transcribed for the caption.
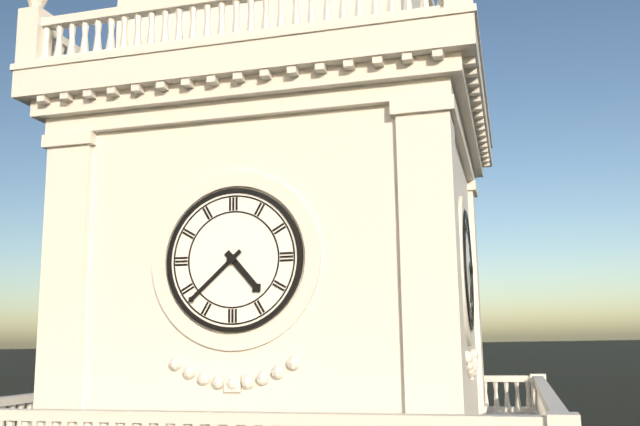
4:38
